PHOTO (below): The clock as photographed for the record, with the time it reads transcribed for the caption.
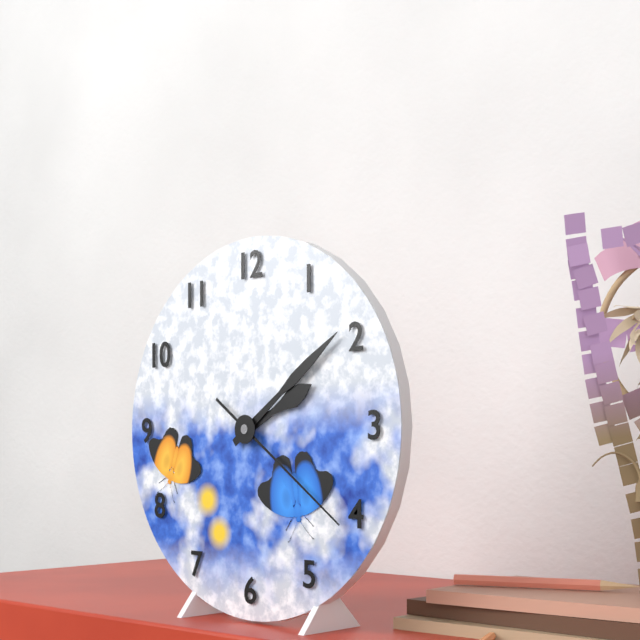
2:09:21
